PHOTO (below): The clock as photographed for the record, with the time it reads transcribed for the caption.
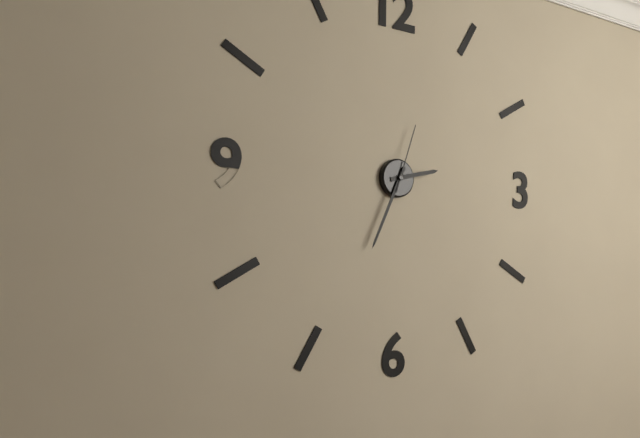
2:34:03
